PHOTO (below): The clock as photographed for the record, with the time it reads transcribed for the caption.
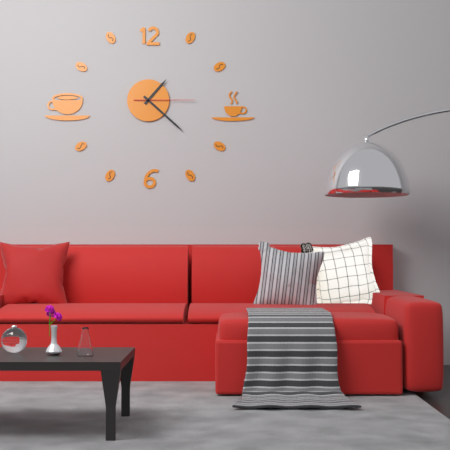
1:22:15
